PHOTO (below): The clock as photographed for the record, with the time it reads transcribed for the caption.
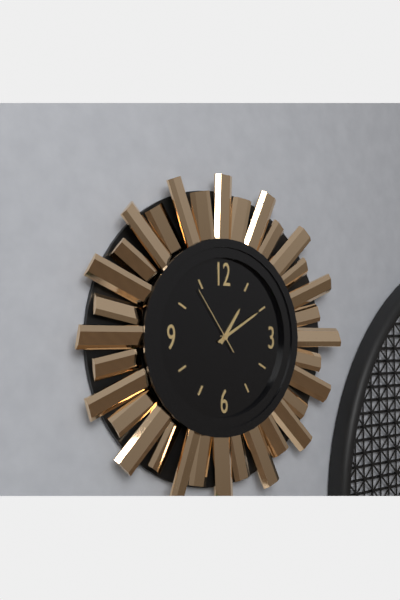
1:10:54
